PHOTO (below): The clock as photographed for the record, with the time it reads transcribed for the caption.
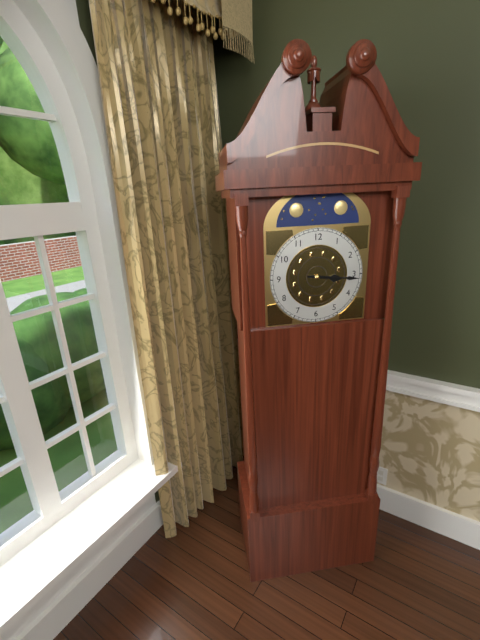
3:16
